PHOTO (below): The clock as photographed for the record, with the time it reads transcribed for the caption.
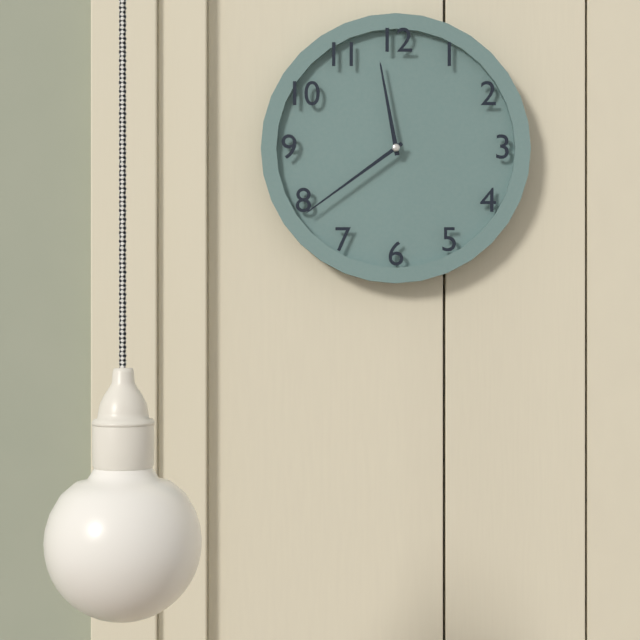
11:39
